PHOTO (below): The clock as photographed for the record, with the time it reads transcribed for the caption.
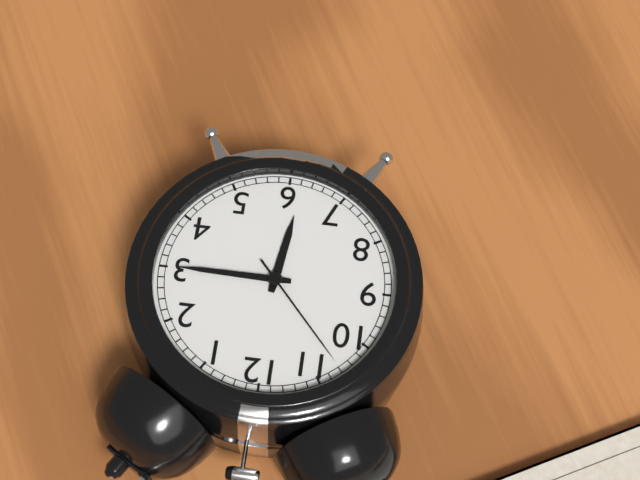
6:15:53
